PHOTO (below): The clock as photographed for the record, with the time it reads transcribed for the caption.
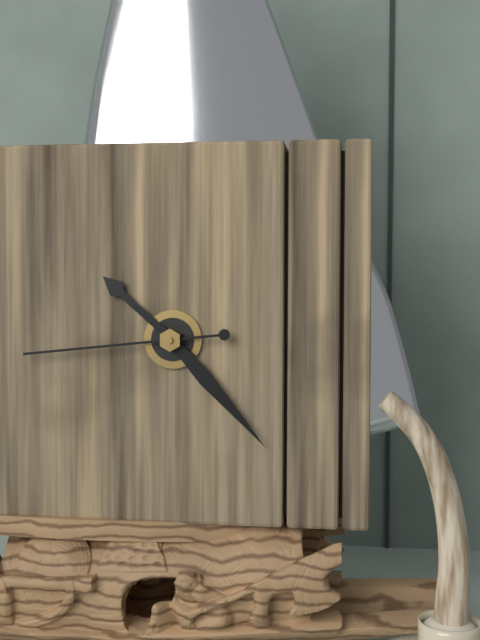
10:23:44
